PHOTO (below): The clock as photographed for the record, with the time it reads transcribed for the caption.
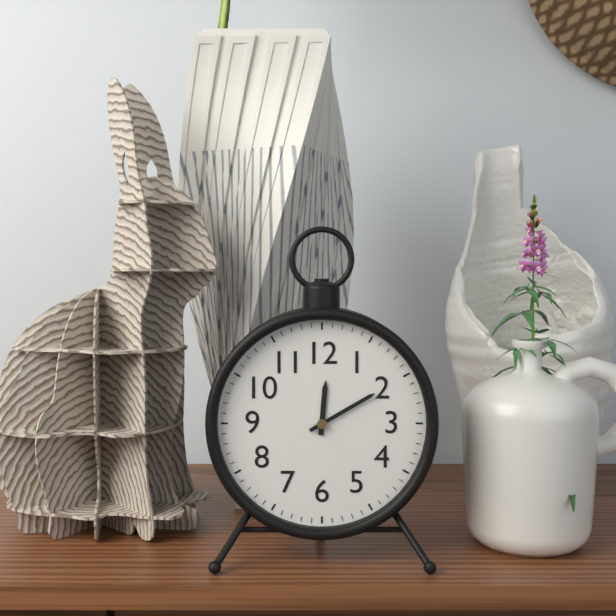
12:10
